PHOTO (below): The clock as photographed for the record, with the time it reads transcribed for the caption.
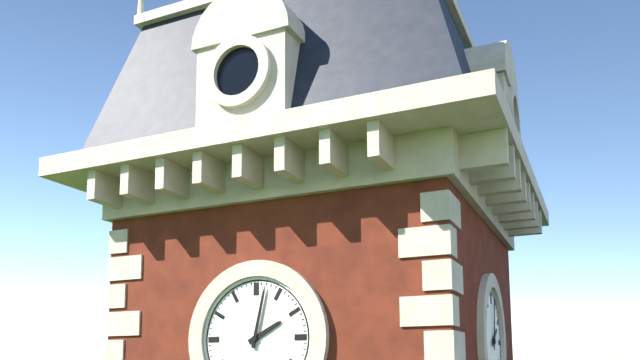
2:02
